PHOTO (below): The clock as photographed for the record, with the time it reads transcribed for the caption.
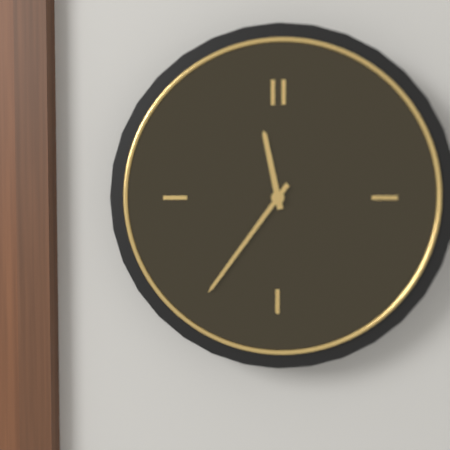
11:36
